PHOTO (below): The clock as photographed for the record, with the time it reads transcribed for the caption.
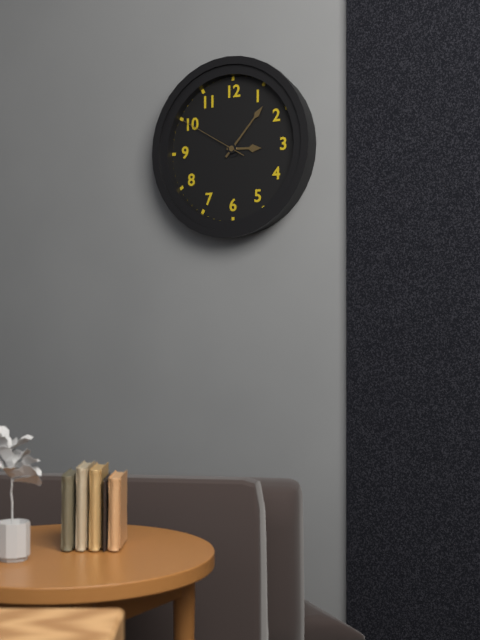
3:07:50
